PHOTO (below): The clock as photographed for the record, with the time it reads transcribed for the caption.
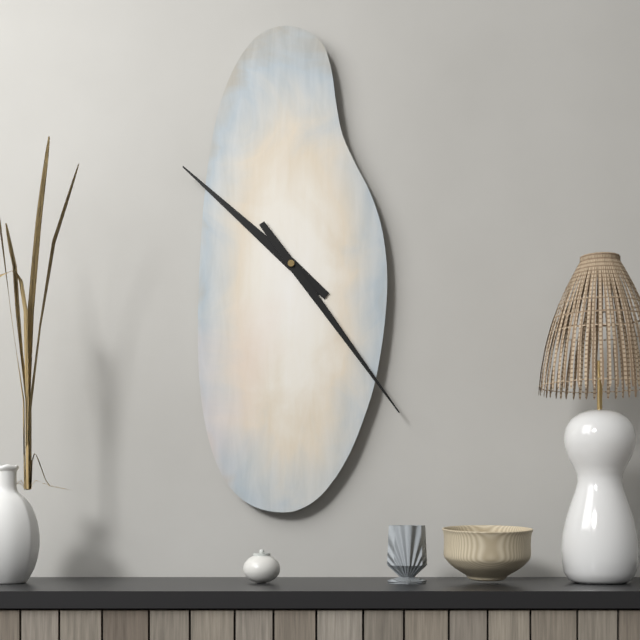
10:24
